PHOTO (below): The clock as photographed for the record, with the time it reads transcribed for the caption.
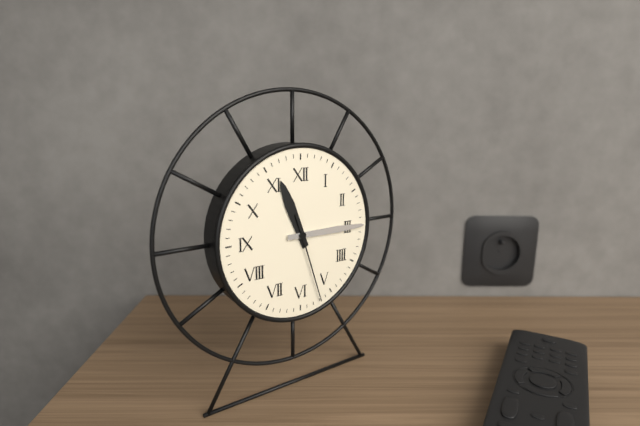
11:15:27
